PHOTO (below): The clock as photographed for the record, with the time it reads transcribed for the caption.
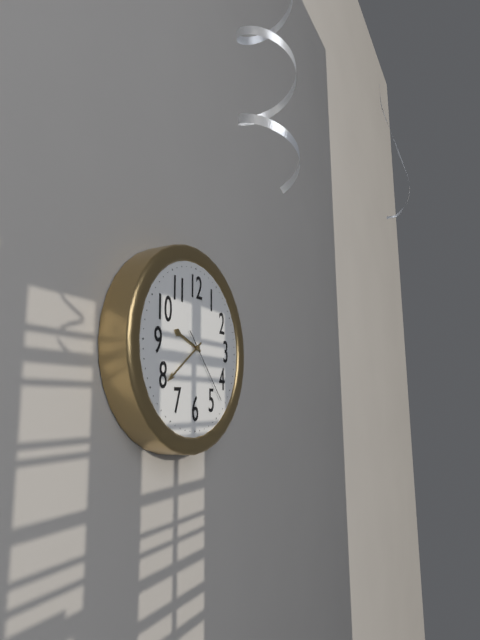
9:39:23
